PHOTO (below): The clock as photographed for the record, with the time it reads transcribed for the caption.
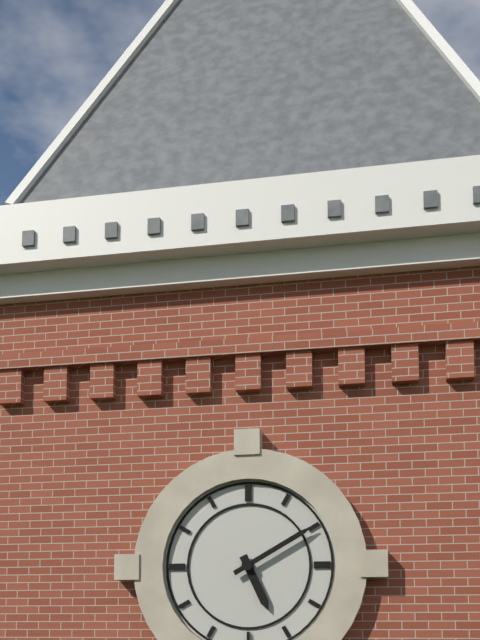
5:10
